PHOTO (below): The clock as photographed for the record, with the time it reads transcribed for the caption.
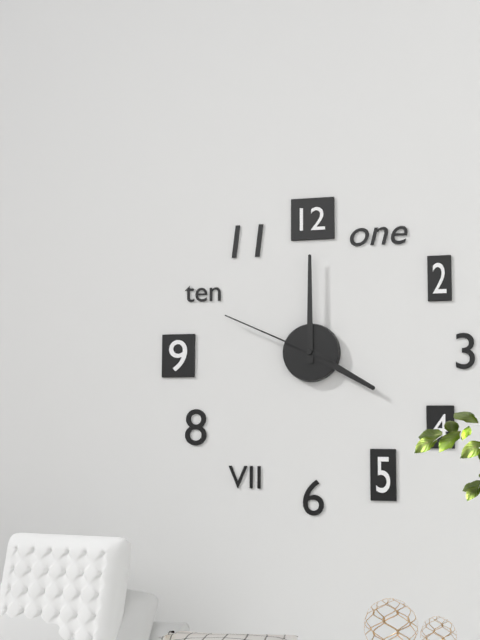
4:00:49
